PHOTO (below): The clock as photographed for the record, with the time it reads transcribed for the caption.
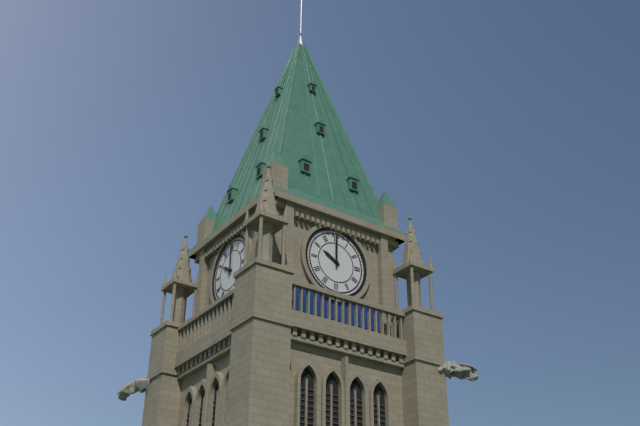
10:00
